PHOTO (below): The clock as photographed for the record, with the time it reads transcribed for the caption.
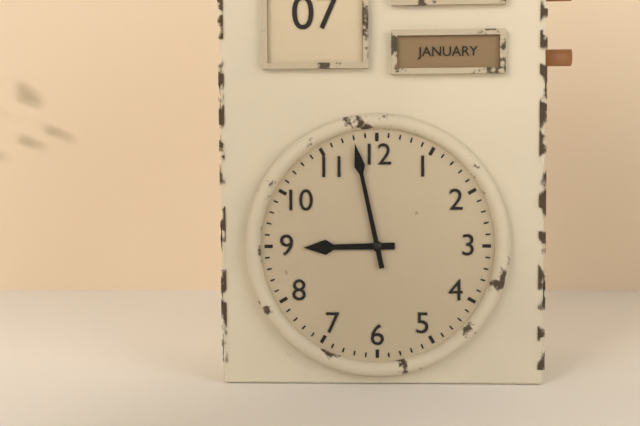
8:58
